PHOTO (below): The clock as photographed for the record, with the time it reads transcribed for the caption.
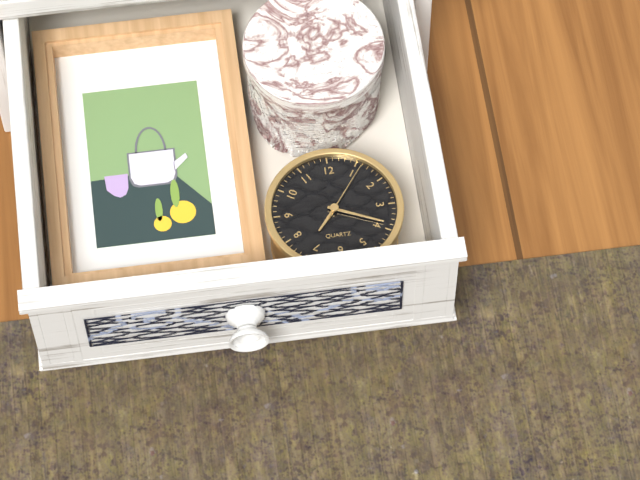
7:19:06
